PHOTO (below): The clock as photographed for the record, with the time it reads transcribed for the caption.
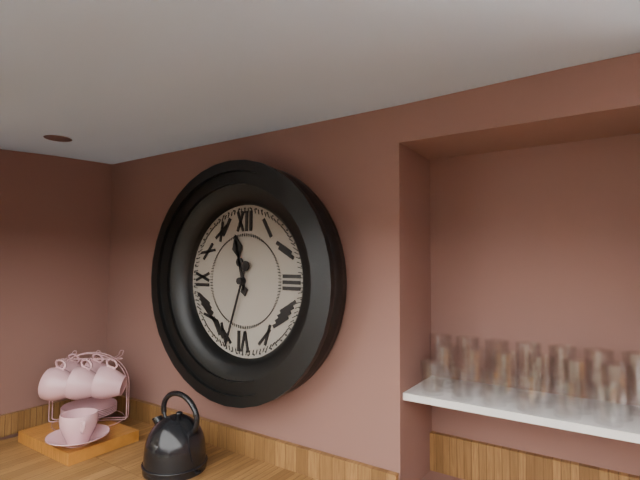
11:33
